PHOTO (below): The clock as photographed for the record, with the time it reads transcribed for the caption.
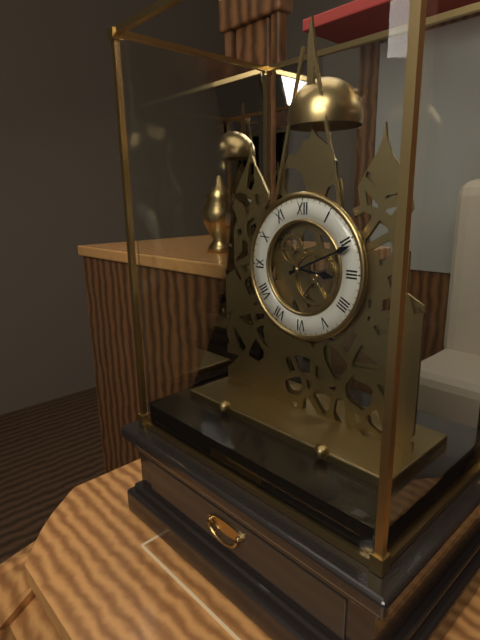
3:11
